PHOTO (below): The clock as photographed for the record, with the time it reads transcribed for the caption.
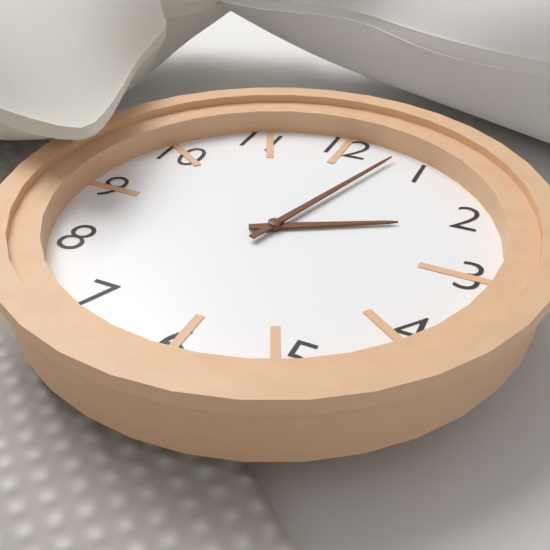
2:03
